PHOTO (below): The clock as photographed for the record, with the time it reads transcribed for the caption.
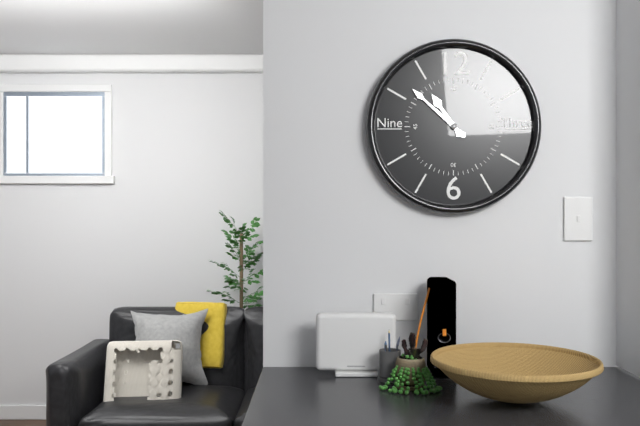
10:52
